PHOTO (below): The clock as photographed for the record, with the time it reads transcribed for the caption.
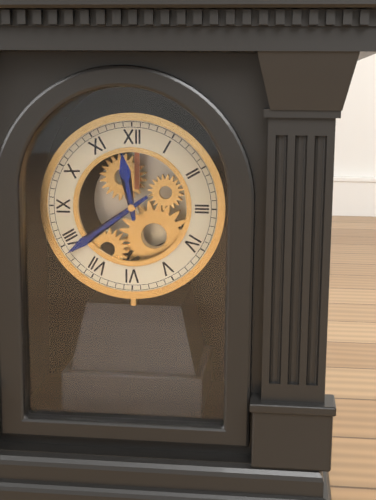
11:39
